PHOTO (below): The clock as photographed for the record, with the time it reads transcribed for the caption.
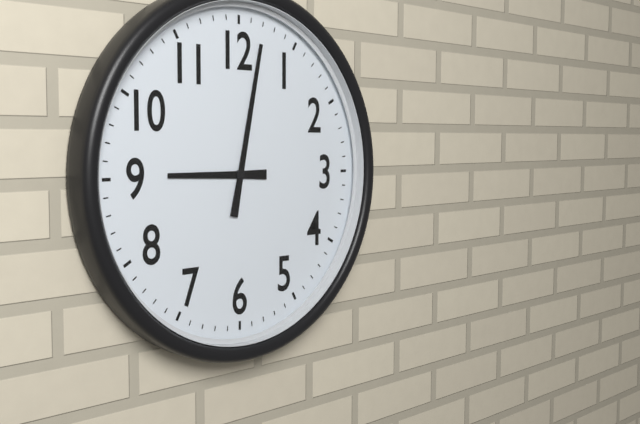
9:02
